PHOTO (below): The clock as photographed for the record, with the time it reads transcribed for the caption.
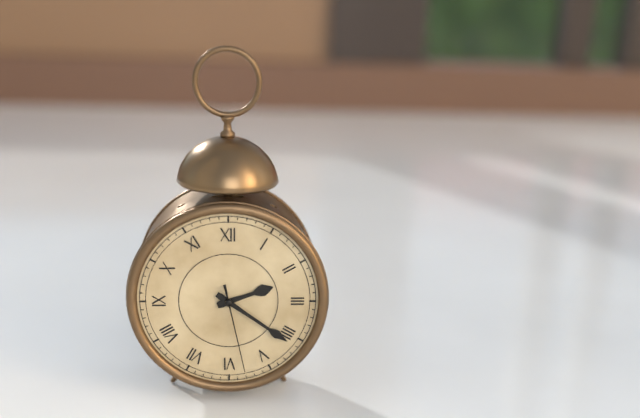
2:21:28
